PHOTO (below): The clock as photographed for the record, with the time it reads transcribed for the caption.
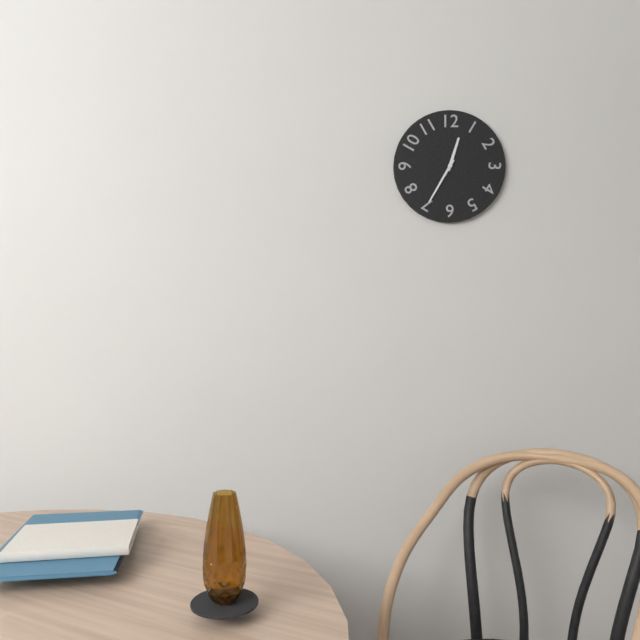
12:35
